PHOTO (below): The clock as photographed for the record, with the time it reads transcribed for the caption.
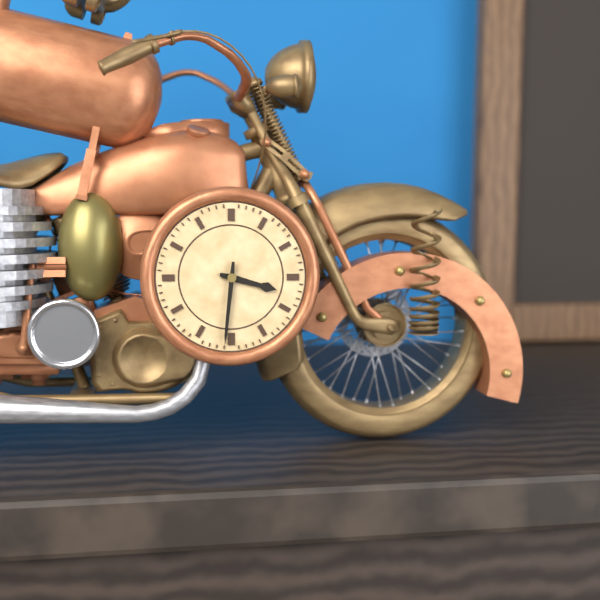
3:31
